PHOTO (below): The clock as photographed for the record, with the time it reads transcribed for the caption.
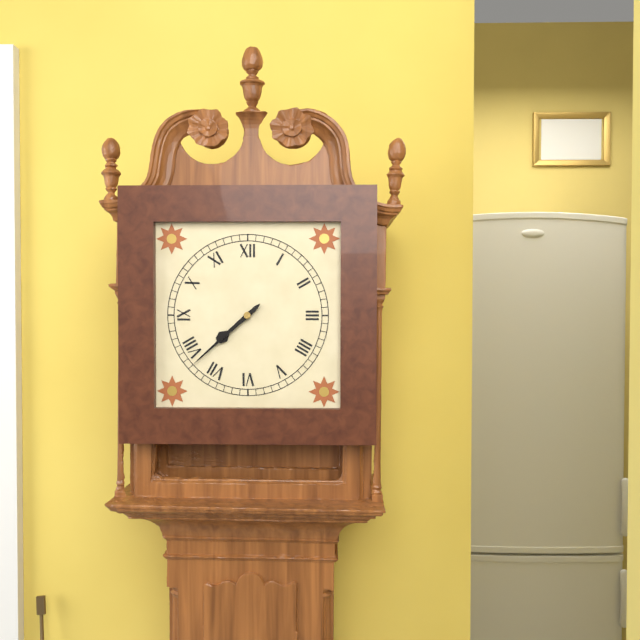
7:38
